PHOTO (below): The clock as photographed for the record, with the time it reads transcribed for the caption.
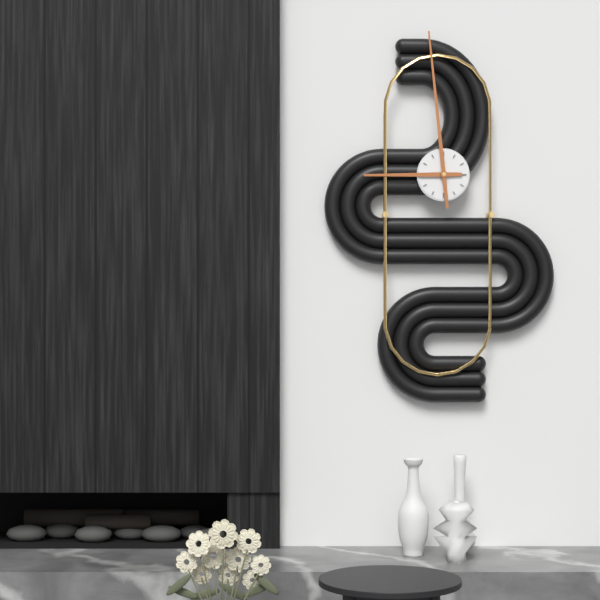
8:59
